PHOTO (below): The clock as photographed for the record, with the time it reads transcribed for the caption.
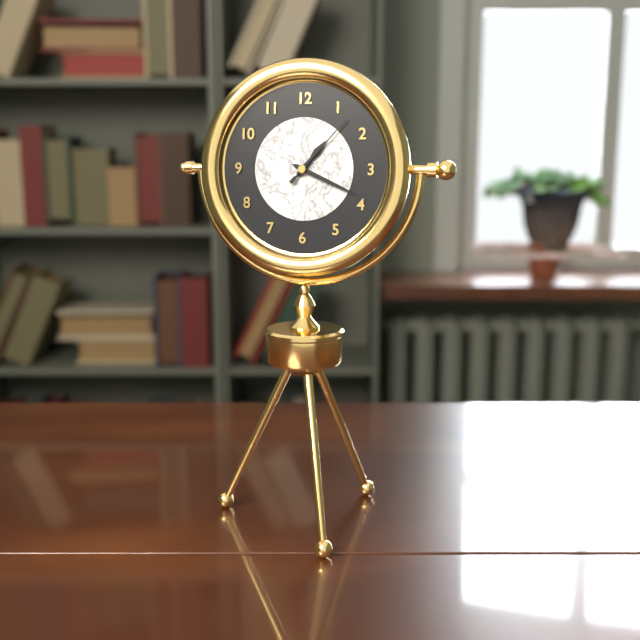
1:19:07
